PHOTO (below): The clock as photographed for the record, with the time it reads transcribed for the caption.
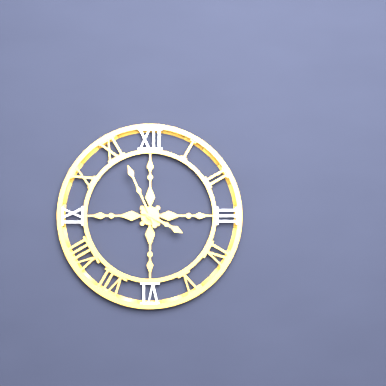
3:56
